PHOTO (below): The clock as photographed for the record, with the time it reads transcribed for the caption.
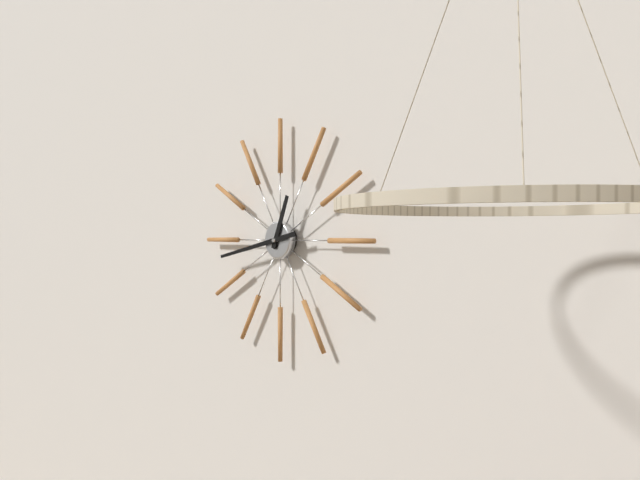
12:43
